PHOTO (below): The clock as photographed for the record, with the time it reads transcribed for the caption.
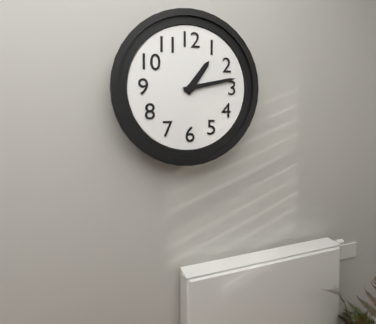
1:13
